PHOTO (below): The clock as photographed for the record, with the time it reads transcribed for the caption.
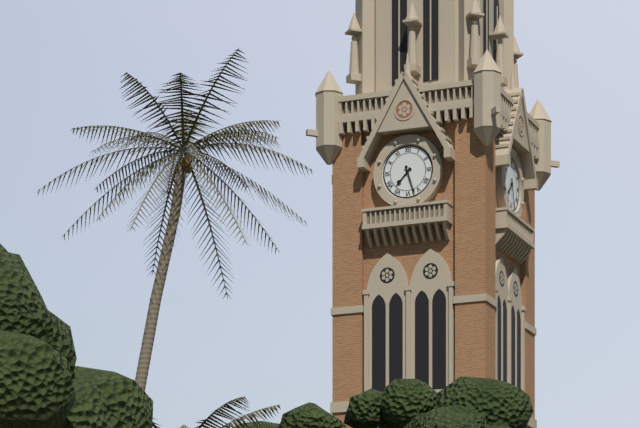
7:27
